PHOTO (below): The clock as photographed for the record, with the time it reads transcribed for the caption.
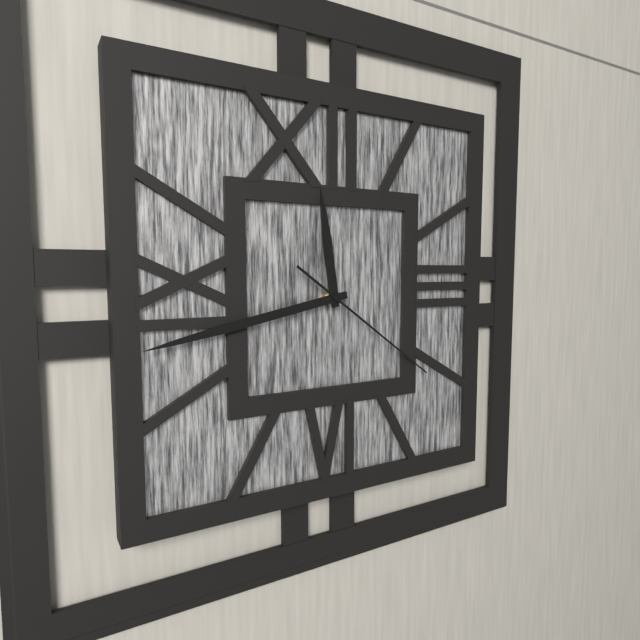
11:43:21
